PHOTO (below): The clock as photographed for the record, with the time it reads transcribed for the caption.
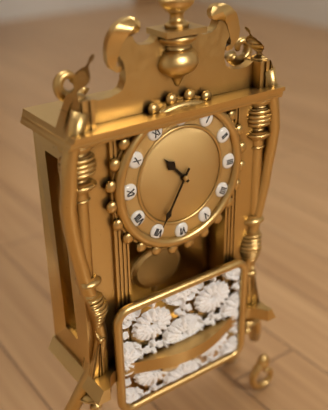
10:35
